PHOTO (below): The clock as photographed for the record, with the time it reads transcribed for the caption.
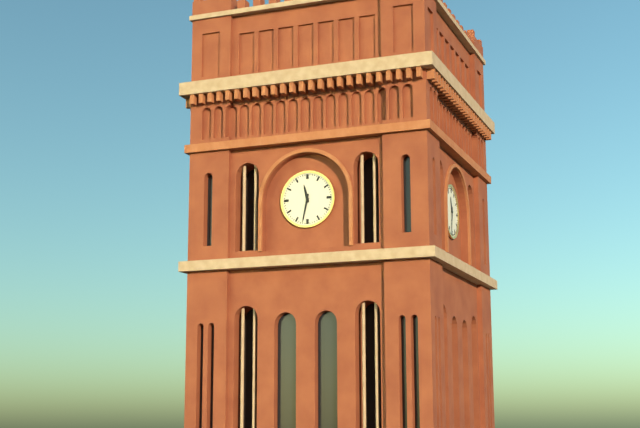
11:32
